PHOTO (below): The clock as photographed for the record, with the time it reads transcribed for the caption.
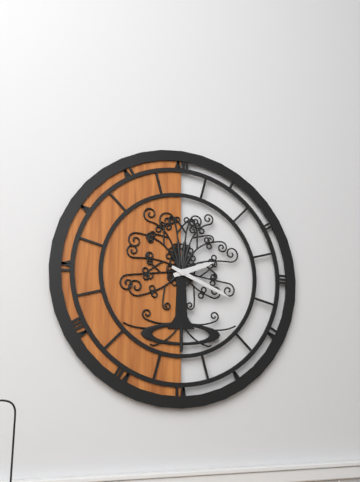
2:19
